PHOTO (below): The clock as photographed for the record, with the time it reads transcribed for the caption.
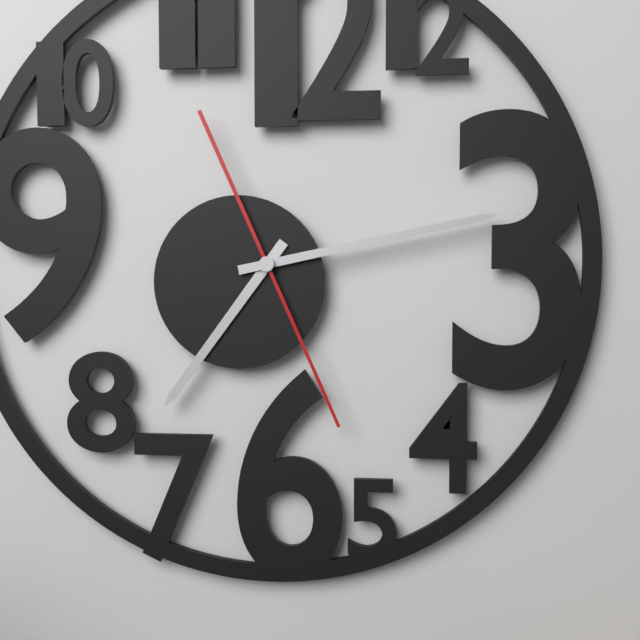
7:13:26
